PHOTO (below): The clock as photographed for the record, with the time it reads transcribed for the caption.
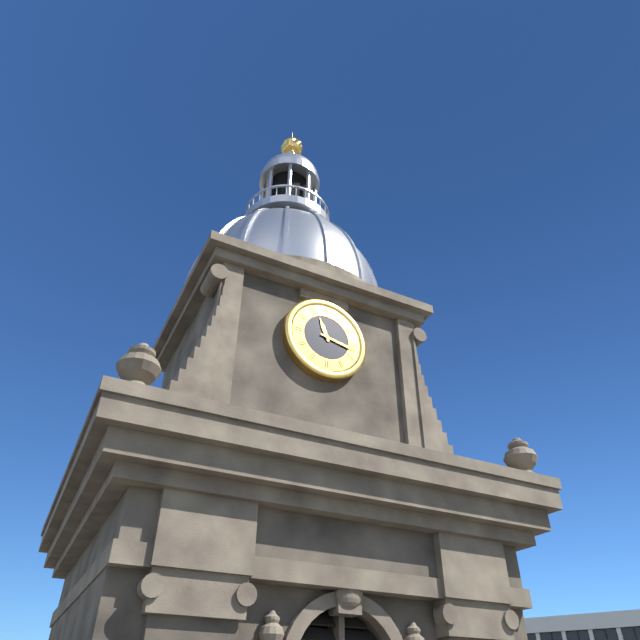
11:17
